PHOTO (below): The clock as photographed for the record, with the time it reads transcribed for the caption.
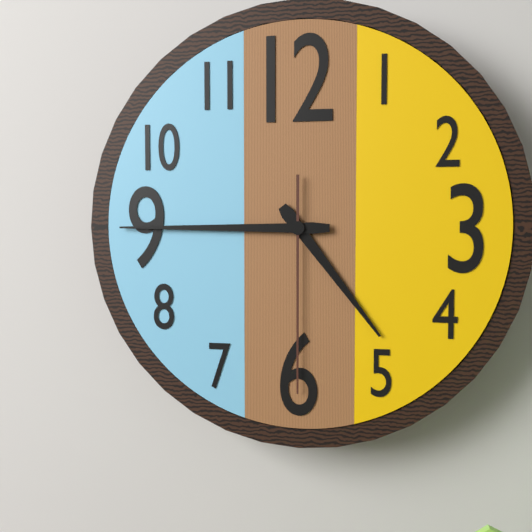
4:45:30
